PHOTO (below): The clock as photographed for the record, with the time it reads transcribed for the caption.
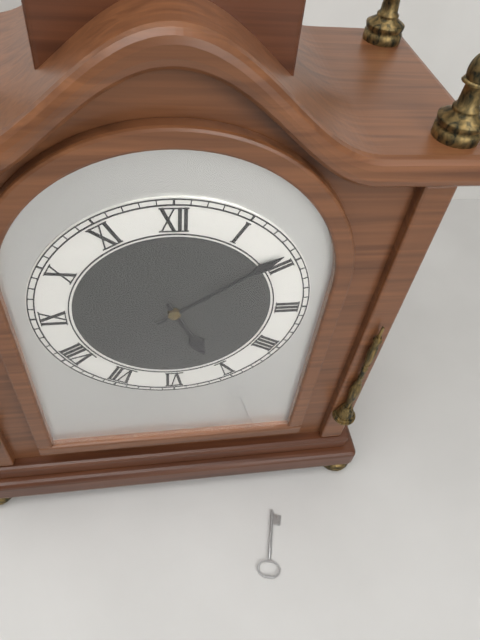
5:09
